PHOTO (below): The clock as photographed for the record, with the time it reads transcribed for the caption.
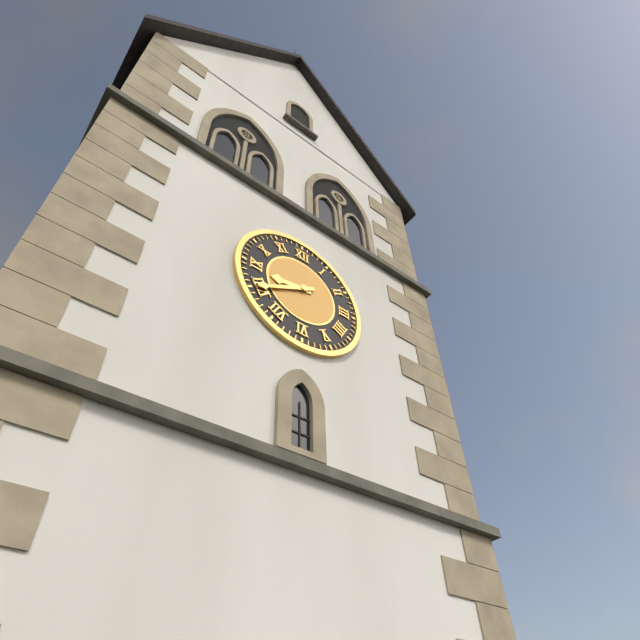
8:40
